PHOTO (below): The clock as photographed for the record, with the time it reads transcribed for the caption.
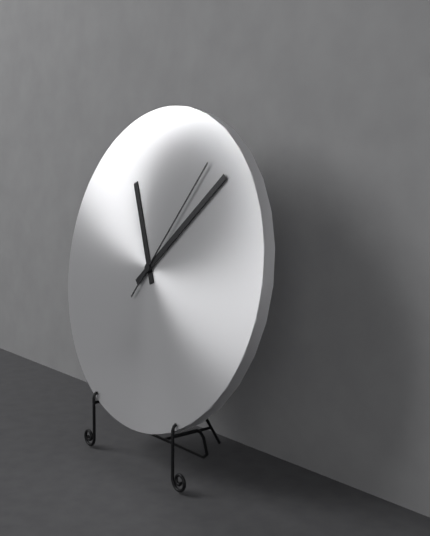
11:08:06
